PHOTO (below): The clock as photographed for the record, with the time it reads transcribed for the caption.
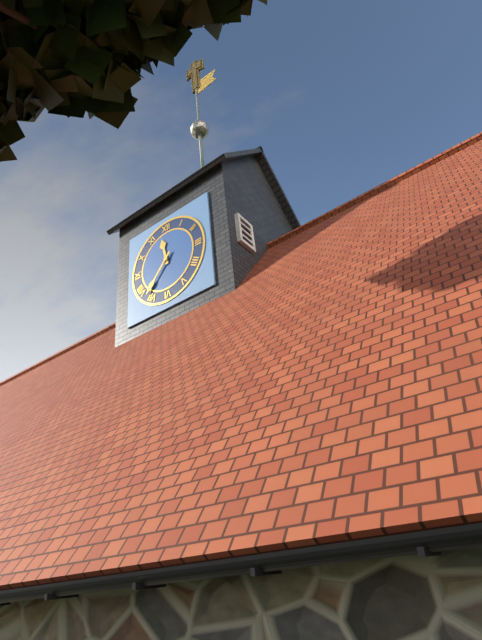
11:37
